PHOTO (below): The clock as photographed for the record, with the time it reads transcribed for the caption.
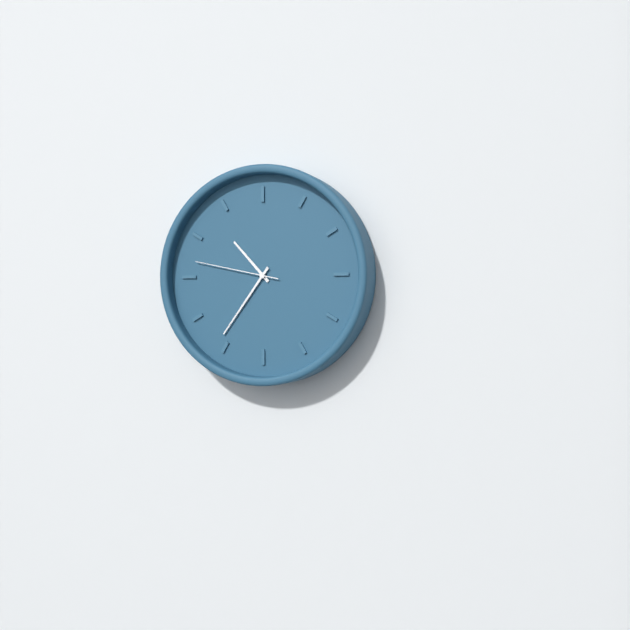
10:36:47
